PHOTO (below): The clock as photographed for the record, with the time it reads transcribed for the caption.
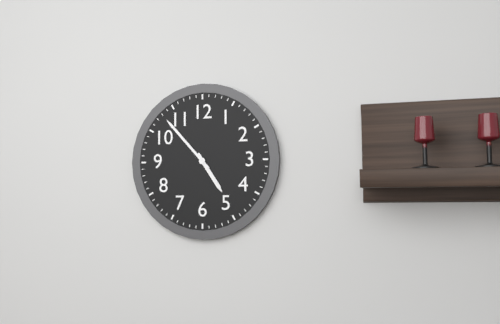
4:53
